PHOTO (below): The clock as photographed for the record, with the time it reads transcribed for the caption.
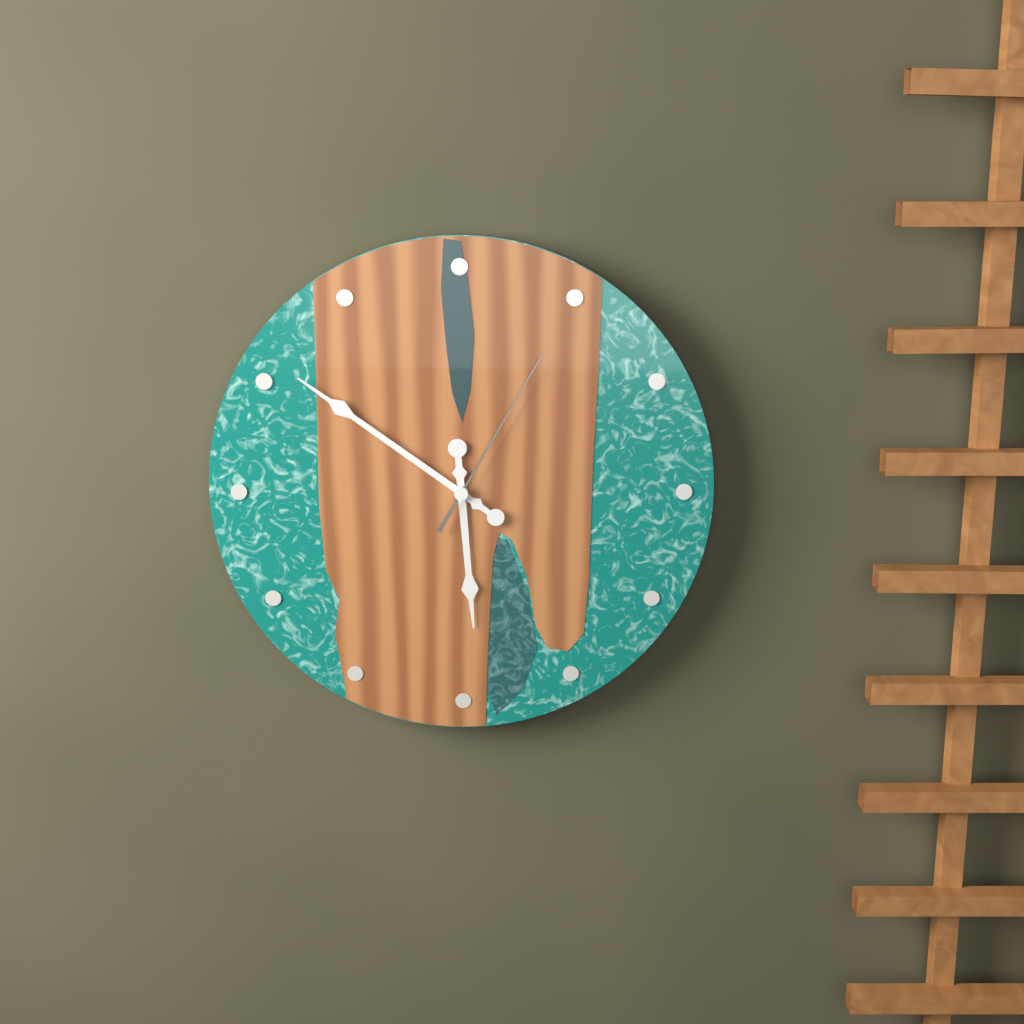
5:51:05
